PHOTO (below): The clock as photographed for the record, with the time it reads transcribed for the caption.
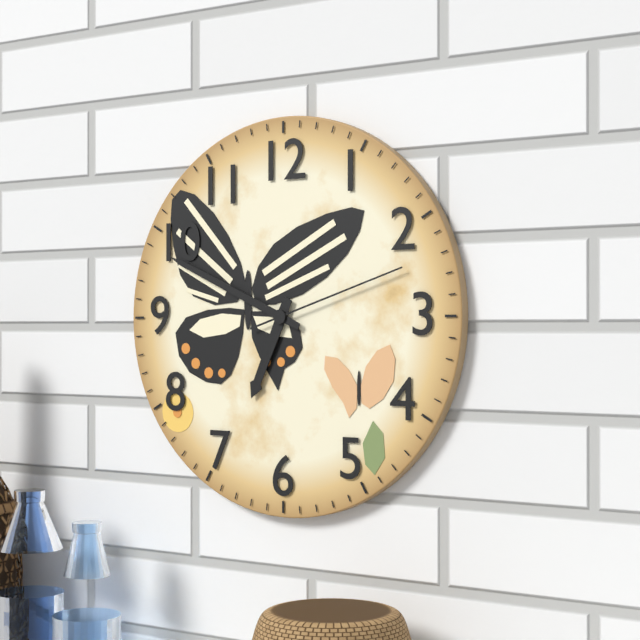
6:49:12
